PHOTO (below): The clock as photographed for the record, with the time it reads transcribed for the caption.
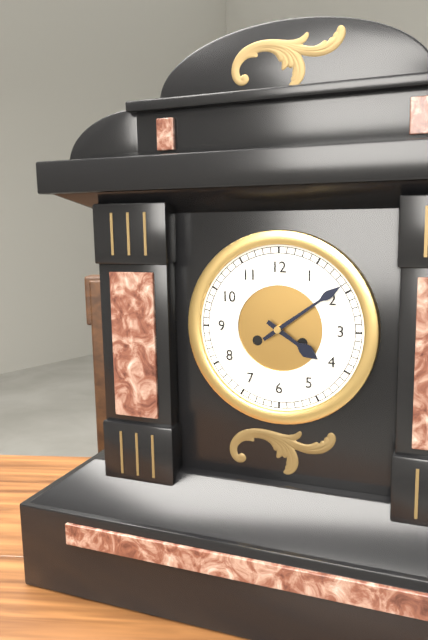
4:09
